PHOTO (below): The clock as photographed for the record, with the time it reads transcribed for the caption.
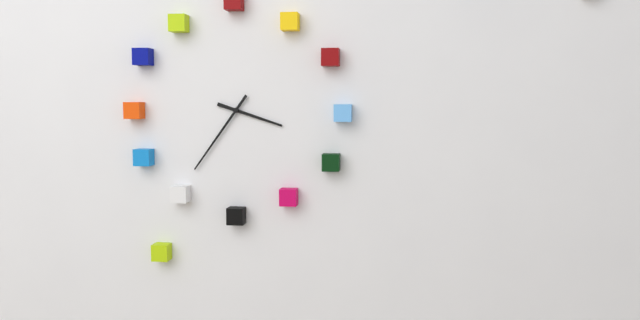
3:36
